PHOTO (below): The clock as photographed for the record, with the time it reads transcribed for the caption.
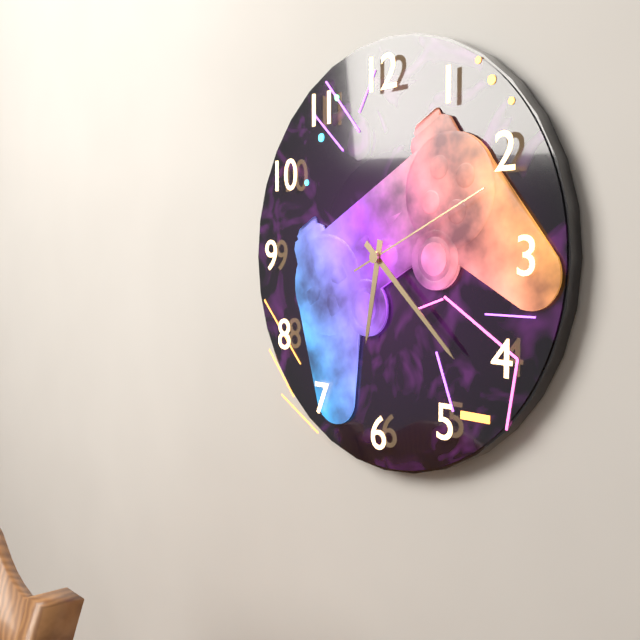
6:22:11
